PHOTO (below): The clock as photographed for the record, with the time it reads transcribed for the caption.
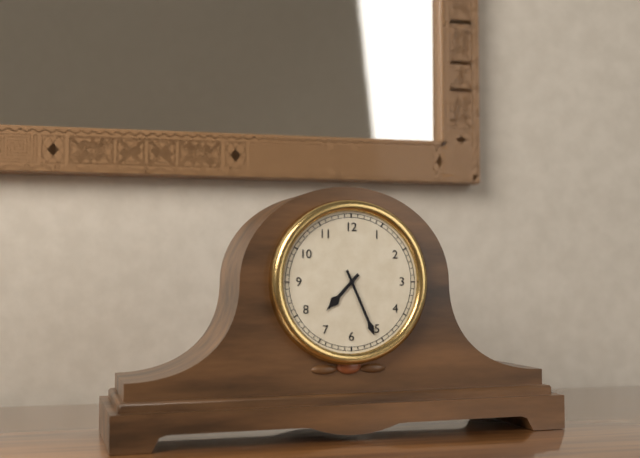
7:26
